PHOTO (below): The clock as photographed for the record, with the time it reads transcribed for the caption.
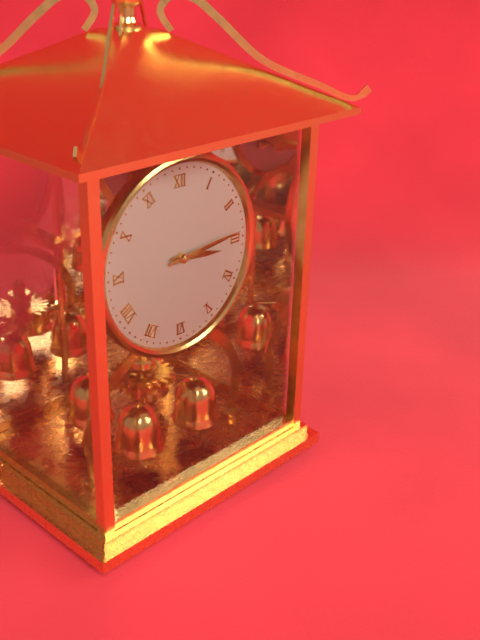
3:14
